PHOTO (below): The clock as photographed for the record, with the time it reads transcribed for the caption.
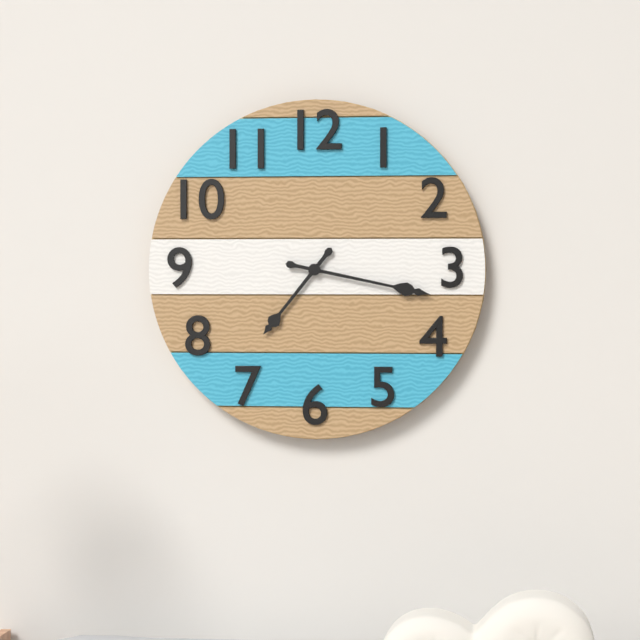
7:17
